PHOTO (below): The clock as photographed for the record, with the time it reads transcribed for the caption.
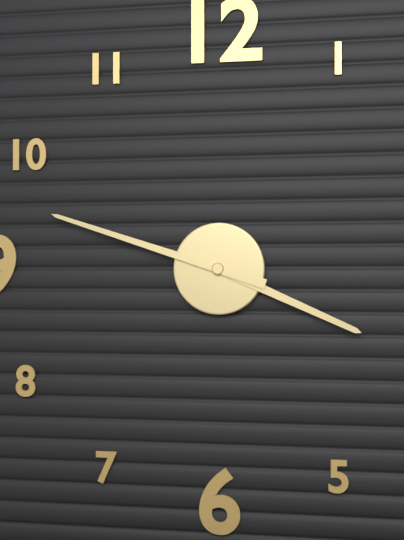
3:48
